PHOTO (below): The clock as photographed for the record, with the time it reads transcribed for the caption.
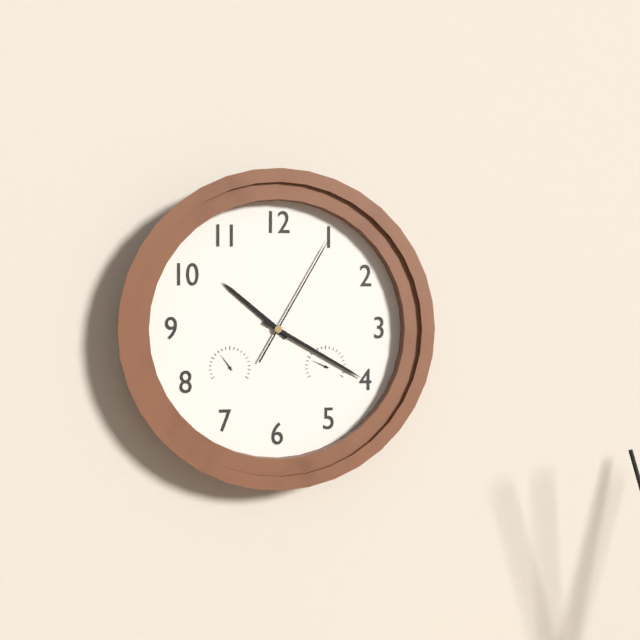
10:20:05
